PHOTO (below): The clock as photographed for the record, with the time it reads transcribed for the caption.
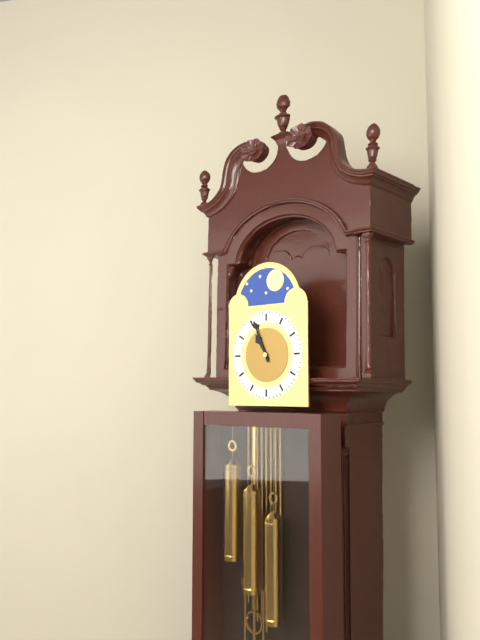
10:56
